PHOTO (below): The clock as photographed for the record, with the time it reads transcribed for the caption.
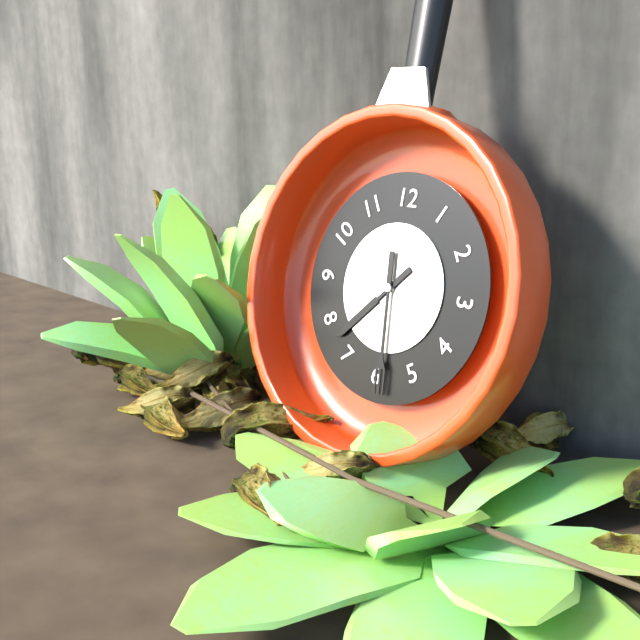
7:29
